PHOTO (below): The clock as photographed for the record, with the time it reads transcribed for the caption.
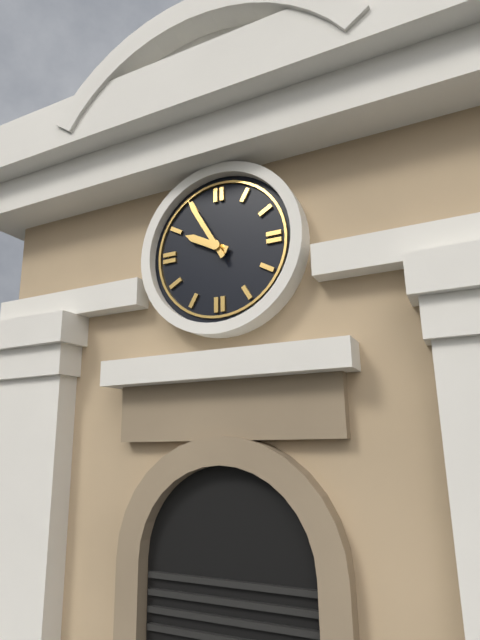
9:55
